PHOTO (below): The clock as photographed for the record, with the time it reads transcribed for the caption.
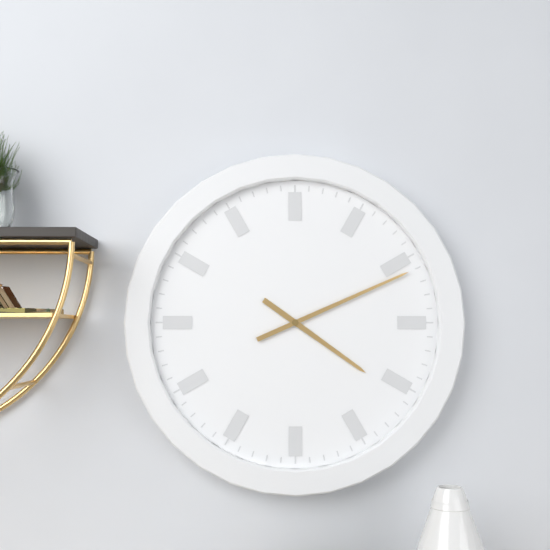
4:11
